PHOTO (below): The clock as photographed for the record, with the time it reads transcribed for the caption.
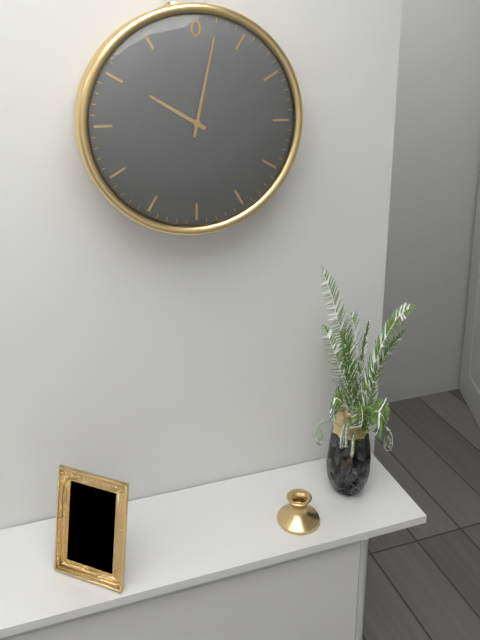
10:02
